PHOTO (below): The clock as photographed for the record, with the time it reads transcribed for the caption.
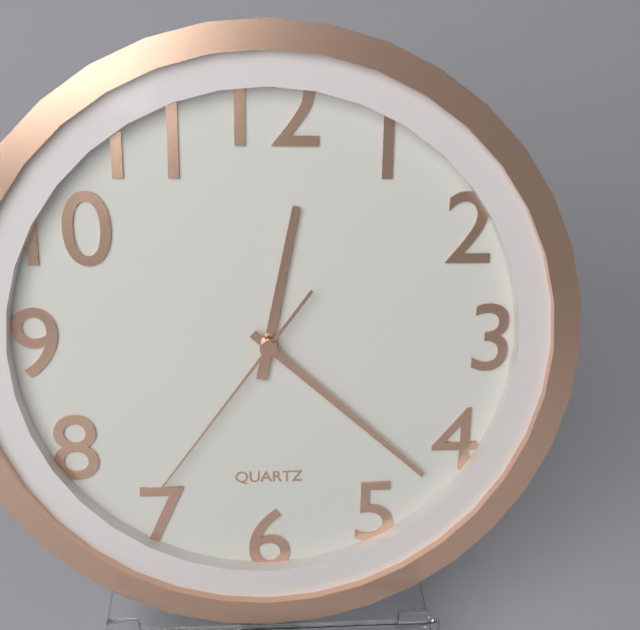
12:22:36
